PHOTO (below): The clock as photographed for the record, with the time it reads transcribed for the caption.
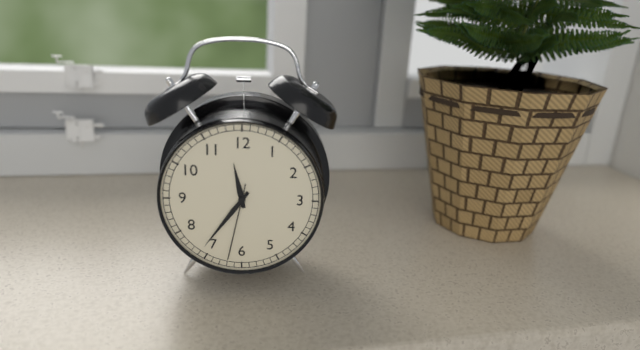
11:36:32
